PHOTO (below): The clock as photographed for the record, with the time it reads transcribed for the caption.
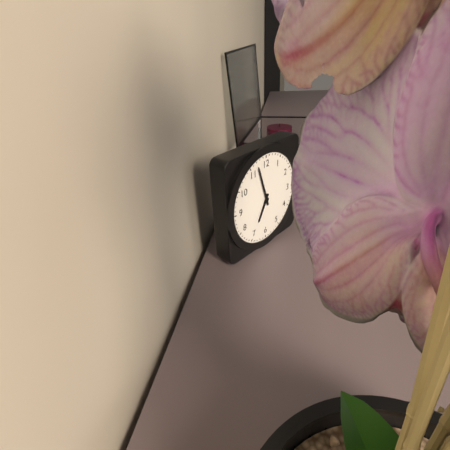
6:57
